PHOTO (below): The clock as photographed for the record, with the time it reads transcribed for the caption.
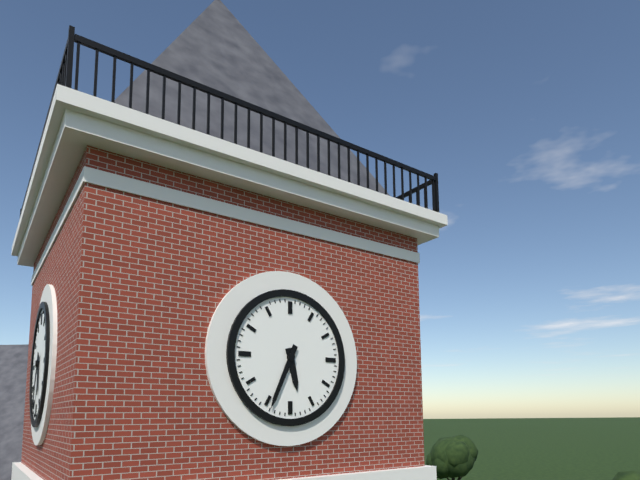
5:34
